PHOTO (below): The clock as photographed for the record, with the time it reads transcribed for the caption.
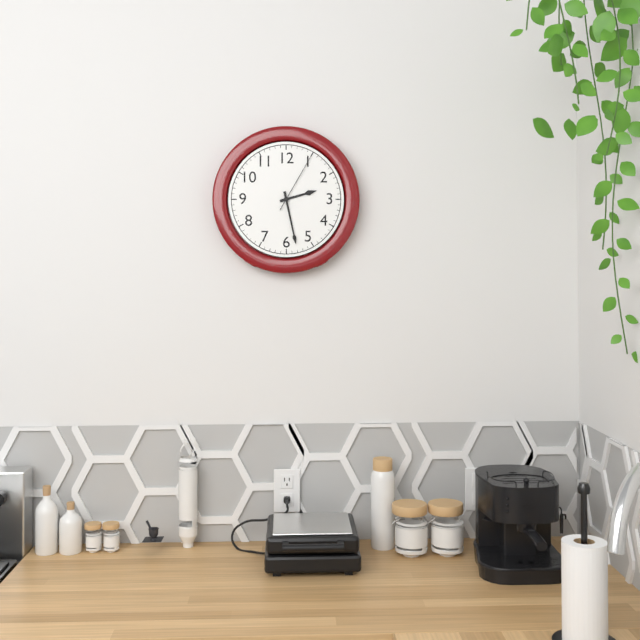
2:28:05
